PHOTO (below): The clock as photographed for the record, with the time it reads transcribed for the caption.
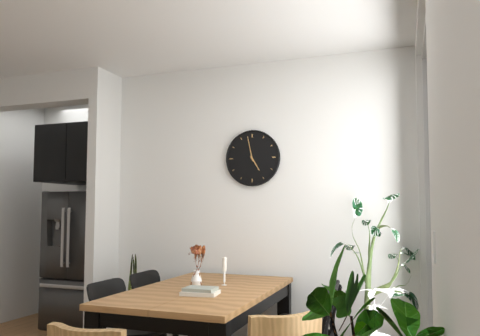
4:58
